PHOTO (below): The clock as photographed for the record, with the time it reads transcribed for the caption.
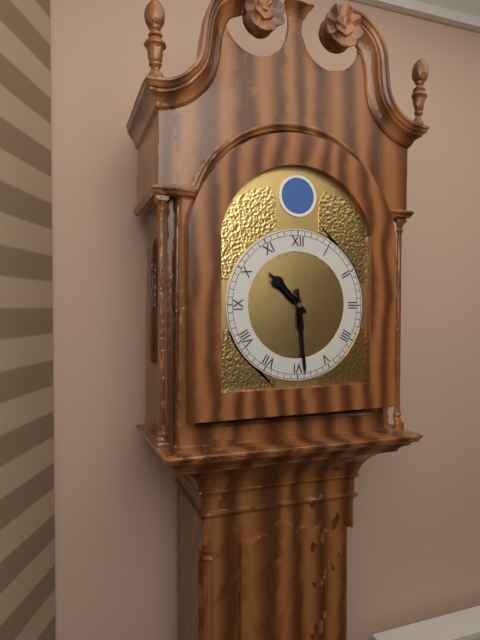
10:29
